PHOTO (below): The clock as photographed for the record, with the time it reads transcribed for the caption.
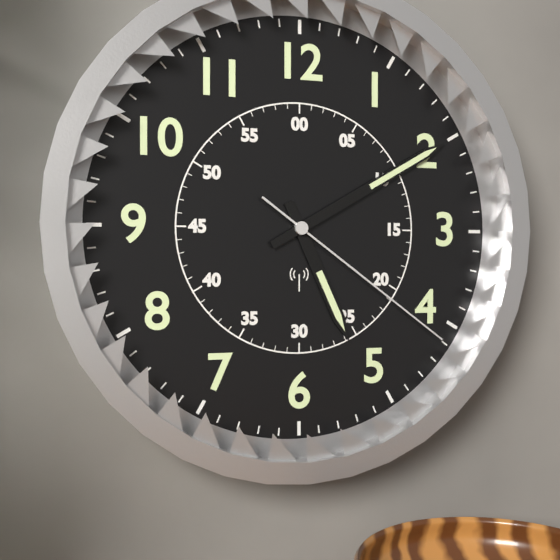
5:10:21
